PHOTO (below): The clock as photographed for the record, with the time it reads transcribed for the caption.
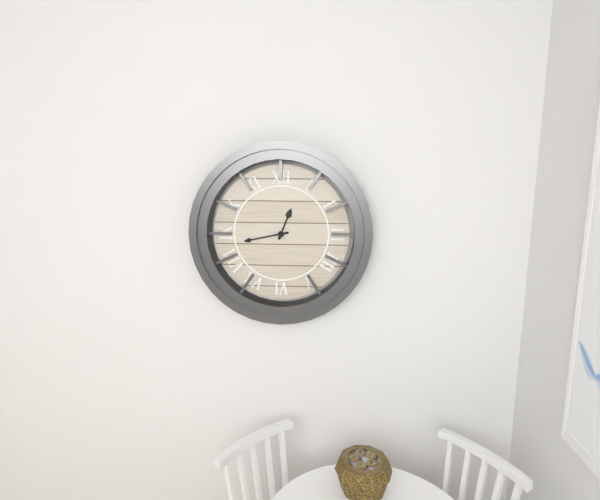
12:43
